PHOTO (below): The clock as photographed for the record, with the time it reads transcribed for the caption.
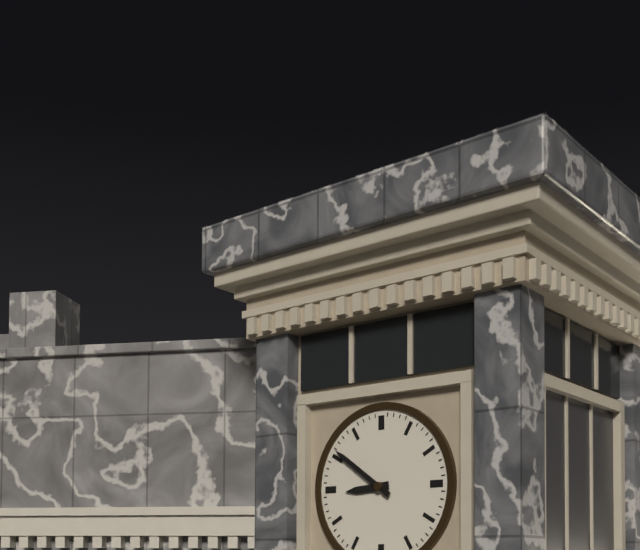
8:51
